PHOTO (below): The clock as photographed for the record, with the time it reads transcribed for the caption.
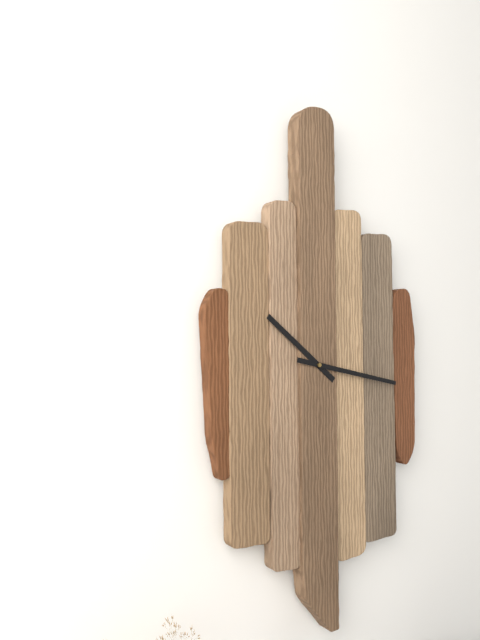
10:17
